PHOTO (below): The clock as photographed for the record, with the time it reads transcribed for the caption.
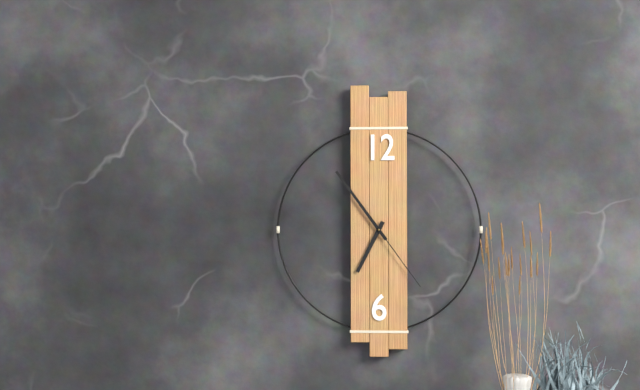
6:54:24
